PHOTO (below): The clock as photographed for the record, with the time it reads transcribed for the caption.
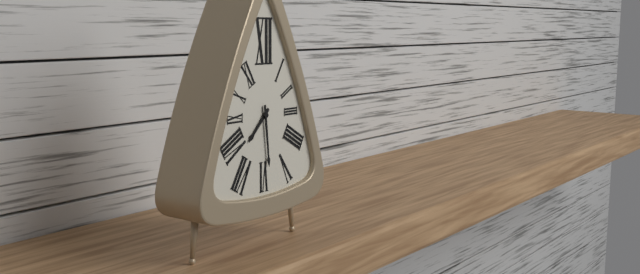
7:29
